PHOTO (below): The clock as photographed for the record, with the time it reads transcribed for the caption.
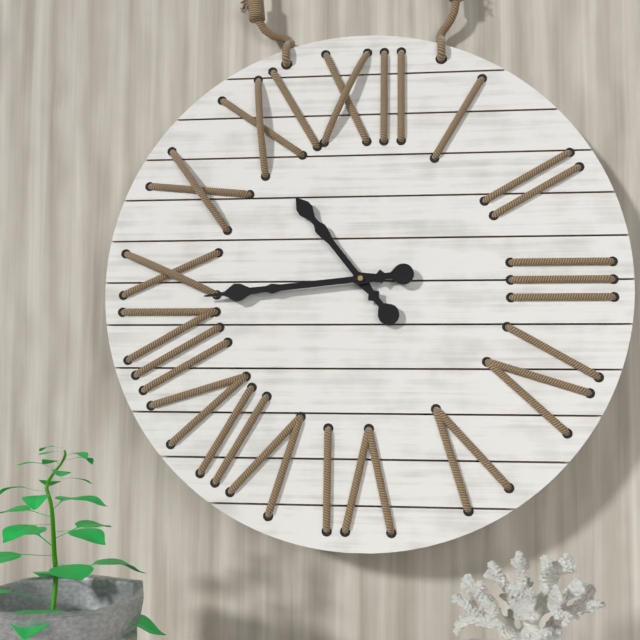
10:44
